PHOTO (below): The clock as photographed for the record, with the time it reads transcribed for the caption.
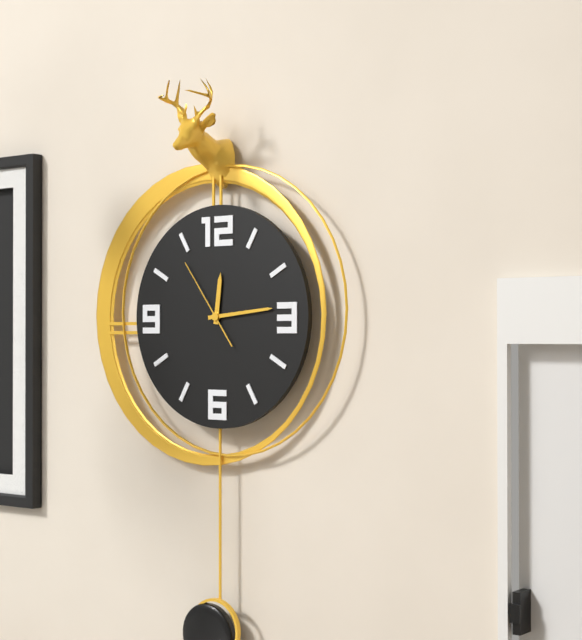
12:14:54
